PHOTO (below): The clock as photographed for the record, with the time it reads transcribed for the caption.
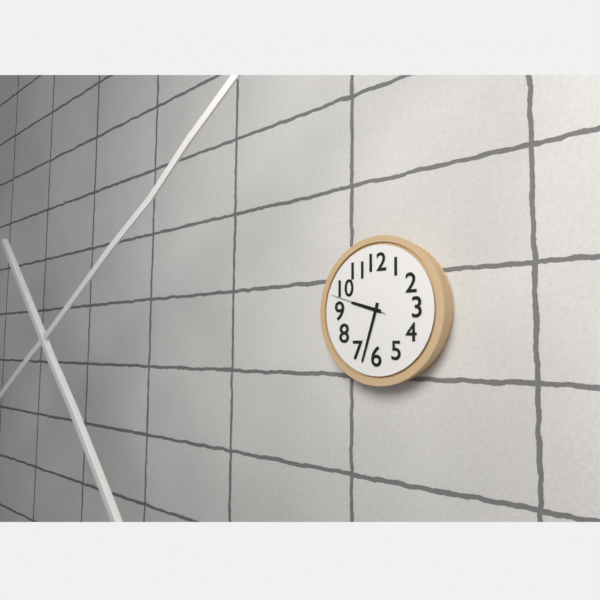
9:33:48
